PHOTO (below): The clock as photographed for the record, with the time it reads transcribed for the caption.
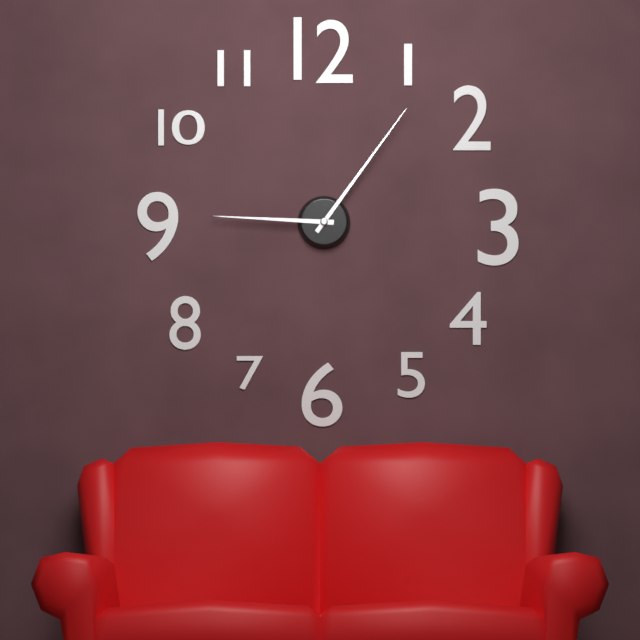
9:06
